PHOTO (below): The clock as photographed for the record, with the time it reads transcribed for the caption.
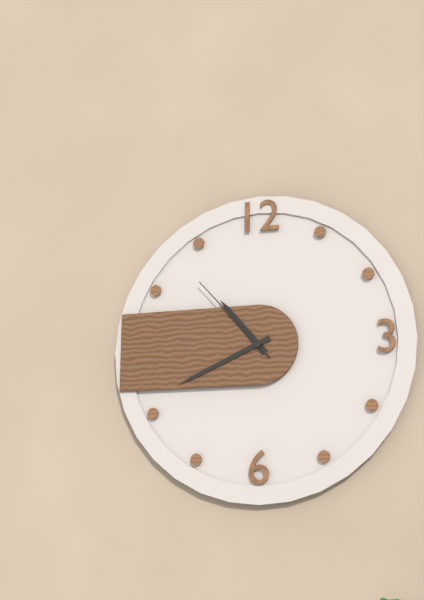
10:41:53
